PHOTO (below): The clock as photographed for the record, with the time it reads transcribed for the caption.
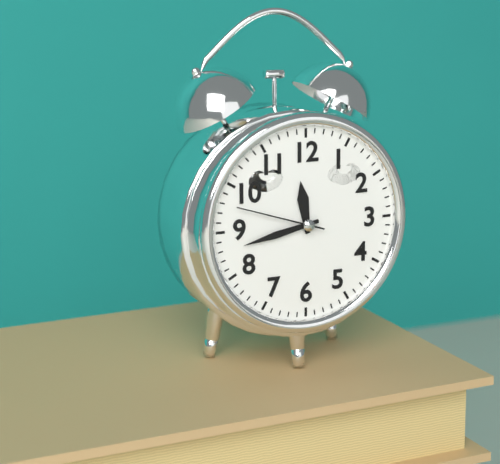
11:43:48
